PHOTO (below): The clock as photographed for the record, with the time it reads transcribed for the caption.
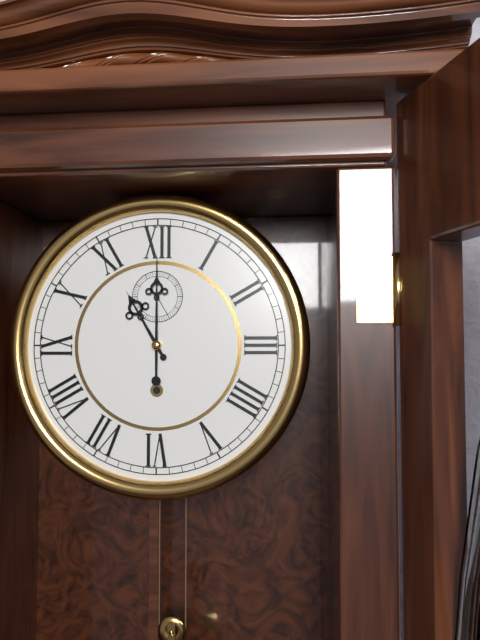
11:00
